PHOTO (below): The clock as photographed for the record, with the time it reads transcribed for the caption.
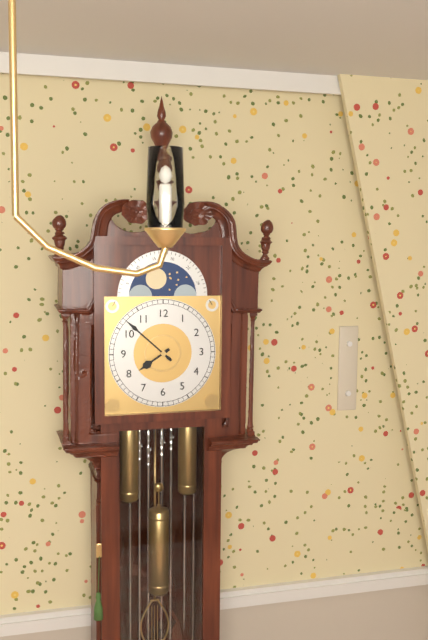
7:52
